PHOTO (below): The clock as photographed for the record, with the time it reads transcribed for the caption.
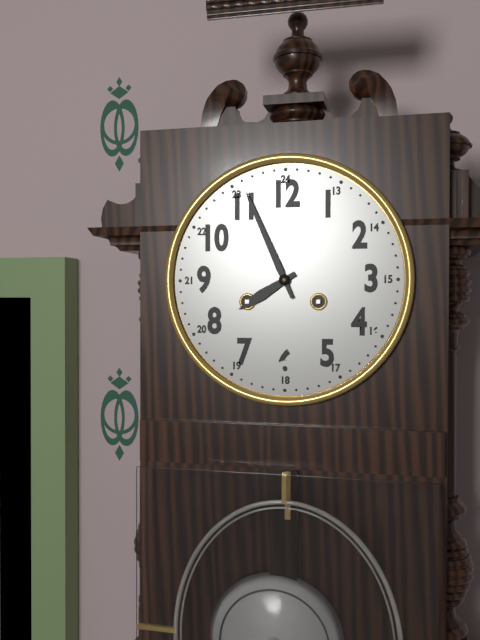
7:56
